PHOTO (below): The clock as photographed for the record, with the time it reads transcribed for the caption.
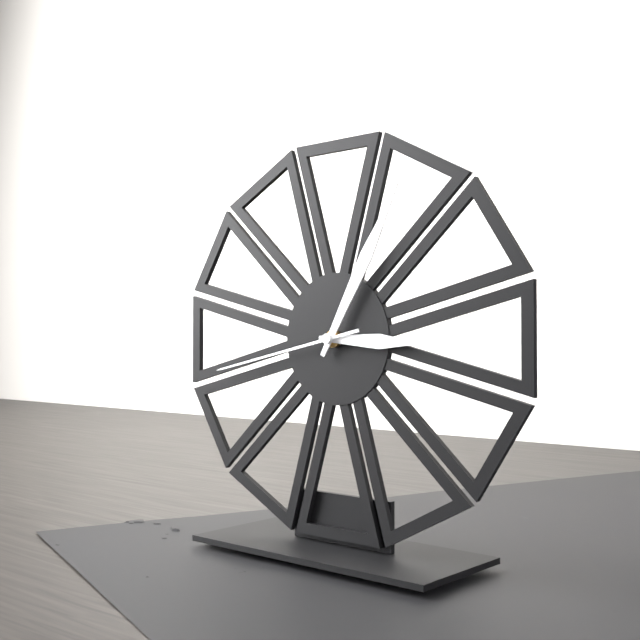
3:05:43
